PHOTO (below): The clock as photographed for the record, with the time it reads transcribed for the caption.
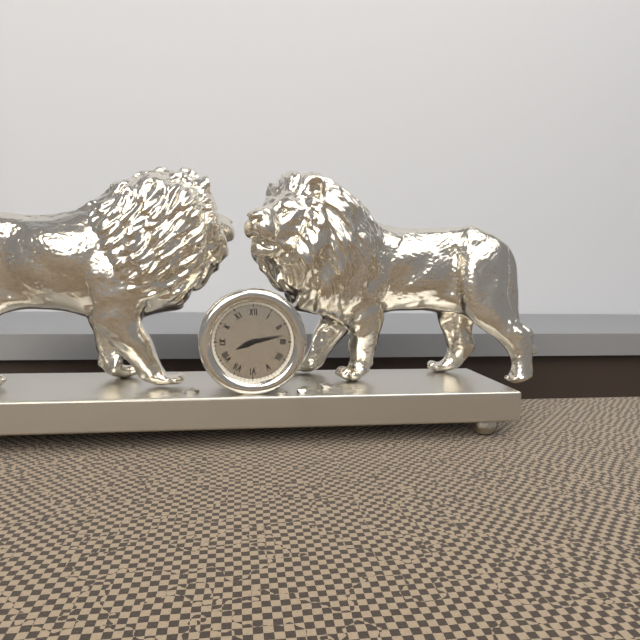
8:13
